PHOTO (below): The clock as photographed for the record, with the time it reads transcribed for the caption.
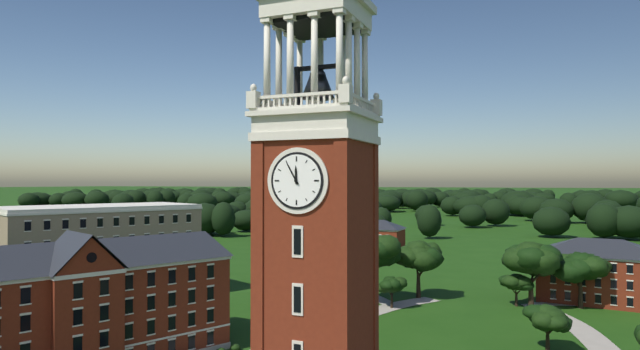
11:55
